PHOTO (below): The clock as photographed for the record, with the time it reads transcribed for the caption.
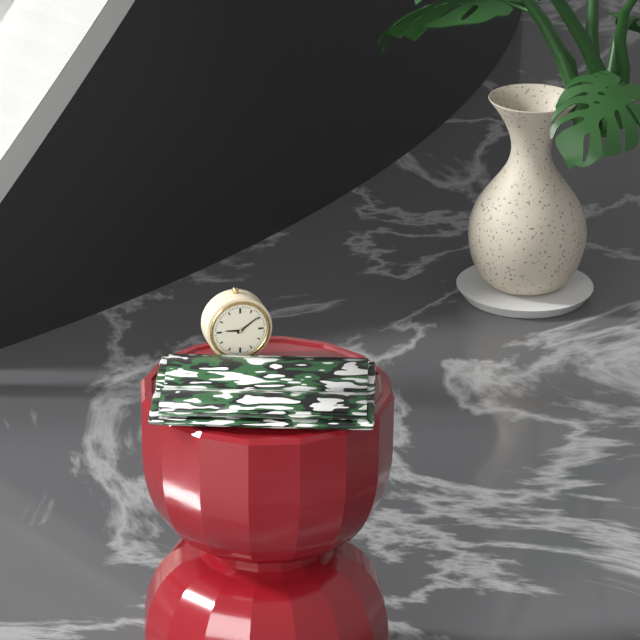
9:09
